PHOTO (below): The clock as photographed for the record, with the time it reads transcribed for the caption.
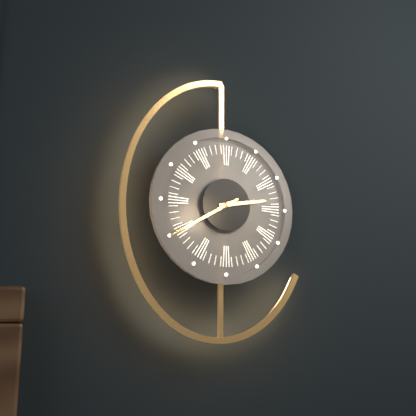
2:40
